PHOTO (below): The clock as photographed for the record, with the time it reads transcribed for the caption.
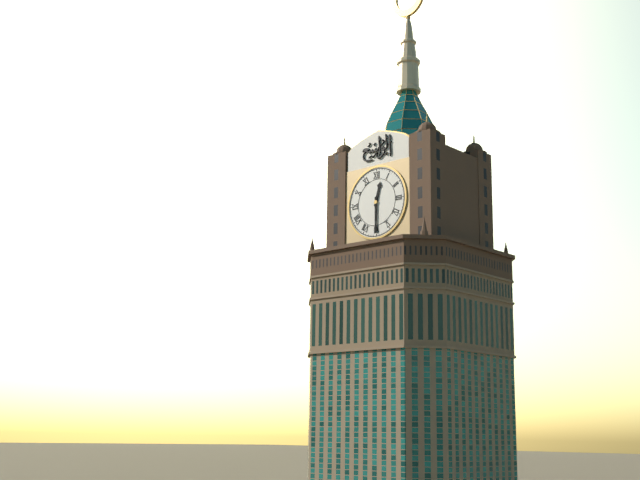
12:30
